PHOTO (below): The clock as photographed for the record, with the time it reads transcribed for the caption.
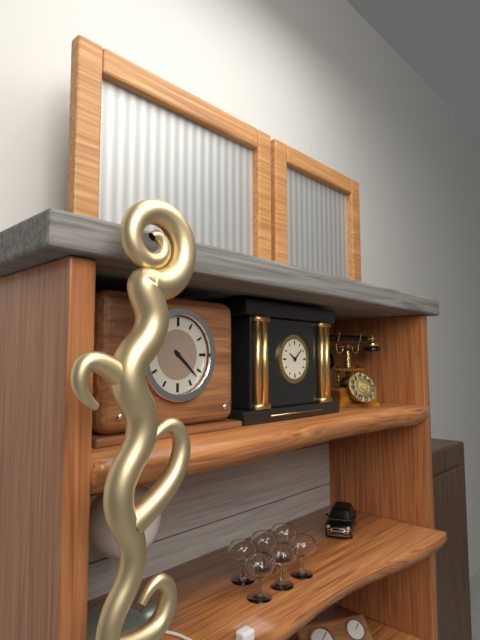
4:22
